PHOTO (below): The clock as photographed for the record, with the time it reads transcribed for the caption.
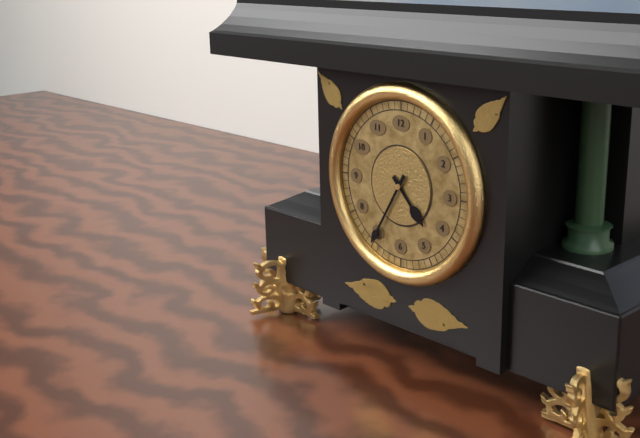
4:35
